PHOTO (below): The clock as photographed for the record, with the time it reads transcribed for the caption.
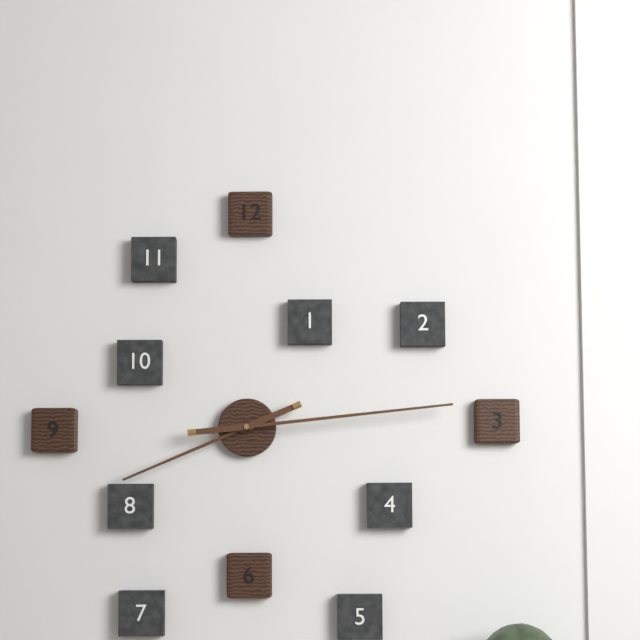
8:14
